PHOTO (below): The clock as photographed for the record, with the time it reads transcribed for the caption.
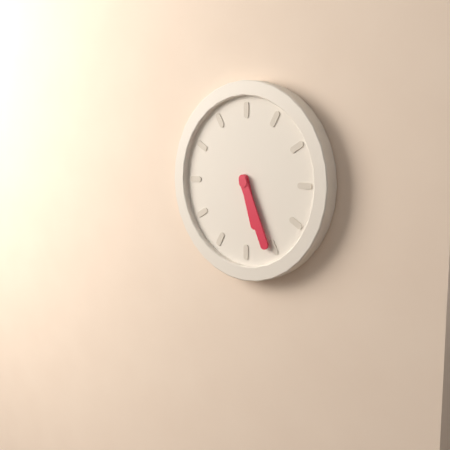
5:26
